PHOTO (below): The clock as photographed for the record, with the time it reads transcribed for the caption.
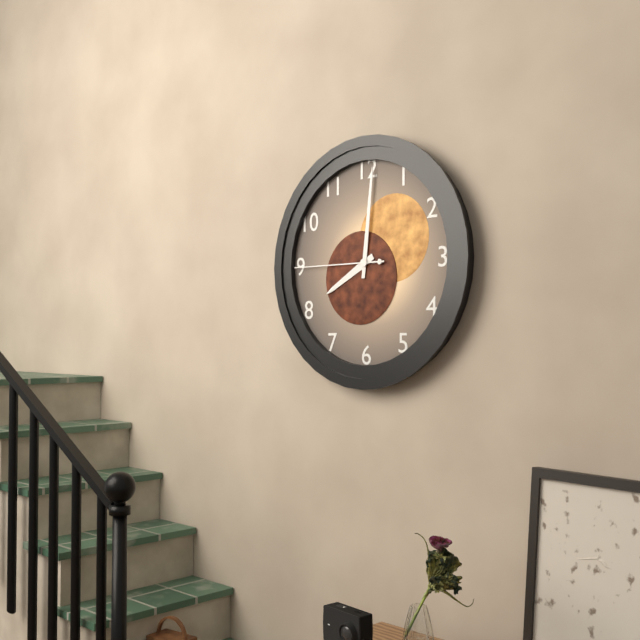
8:01:45
